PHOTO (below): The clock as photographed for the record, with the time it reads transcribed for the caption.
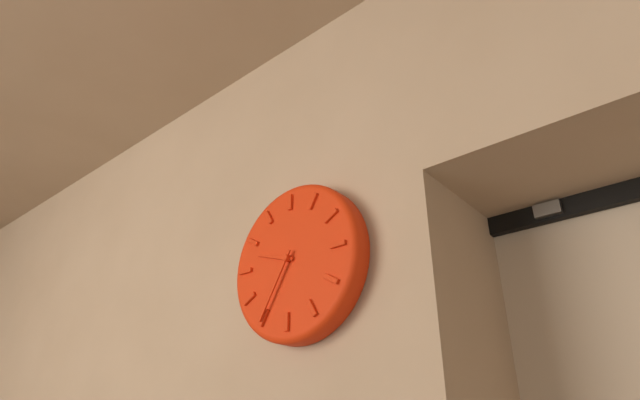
9:35
